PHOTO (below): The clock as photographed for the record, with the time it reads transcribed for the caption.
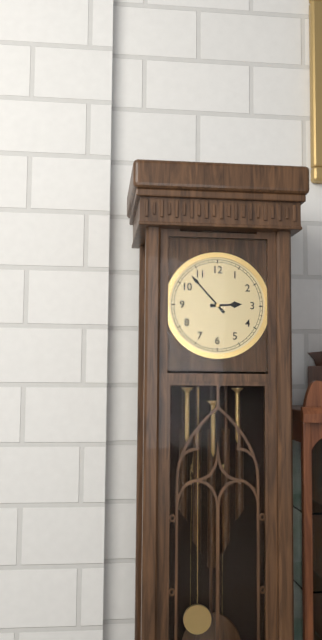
2:53
